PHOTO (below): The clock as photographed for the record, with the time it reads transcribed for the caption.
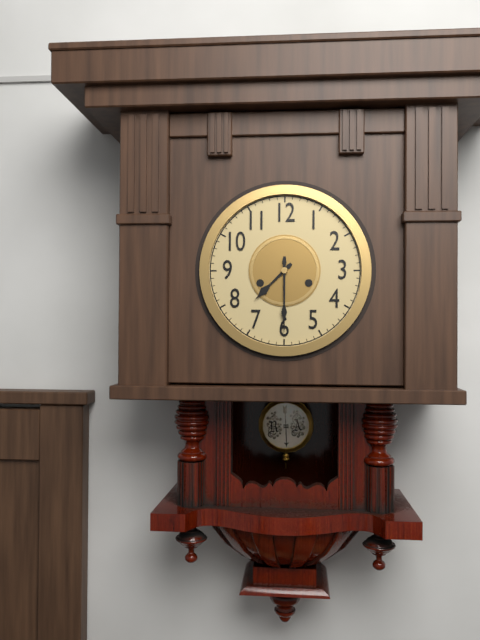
7:30
